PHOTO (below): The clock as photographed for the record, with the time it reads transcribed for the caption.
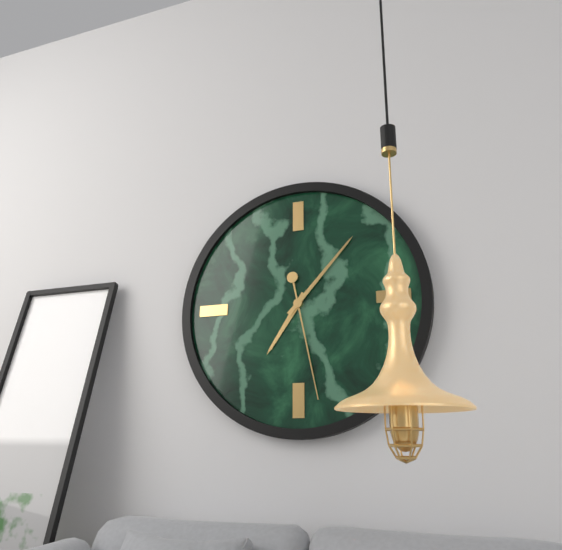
7:07:28
